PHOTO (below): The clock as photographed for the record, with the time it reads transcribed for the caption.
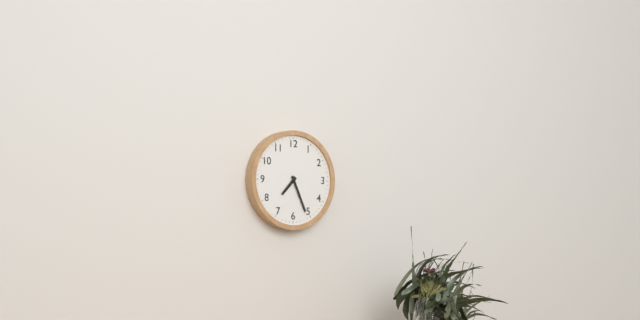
7:26
